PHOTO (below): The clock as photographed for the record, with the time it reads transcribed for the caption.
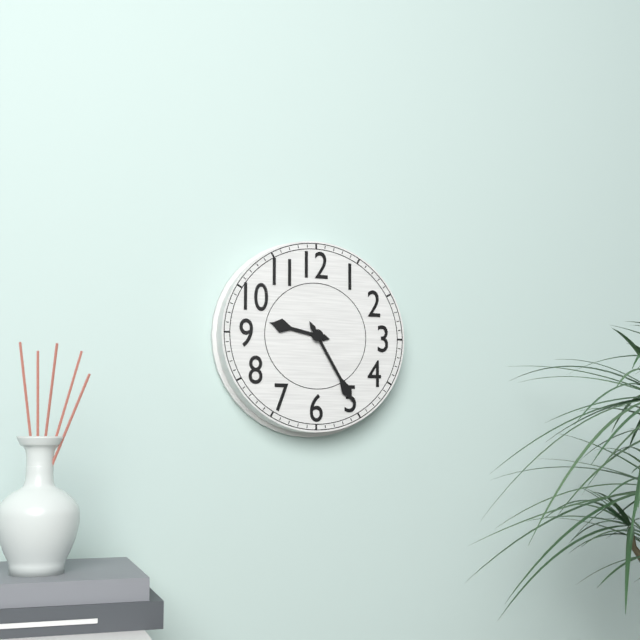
9:25
